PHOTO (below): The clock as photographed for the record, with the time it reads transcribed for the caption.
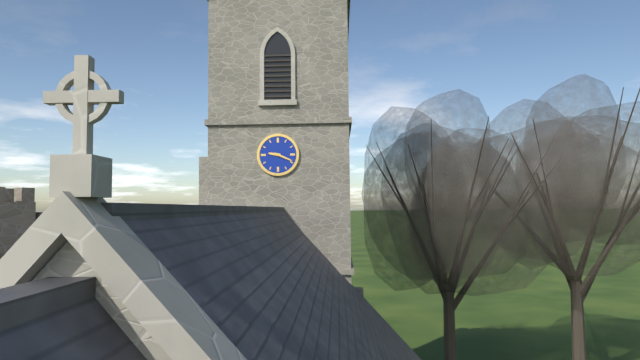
9:19
